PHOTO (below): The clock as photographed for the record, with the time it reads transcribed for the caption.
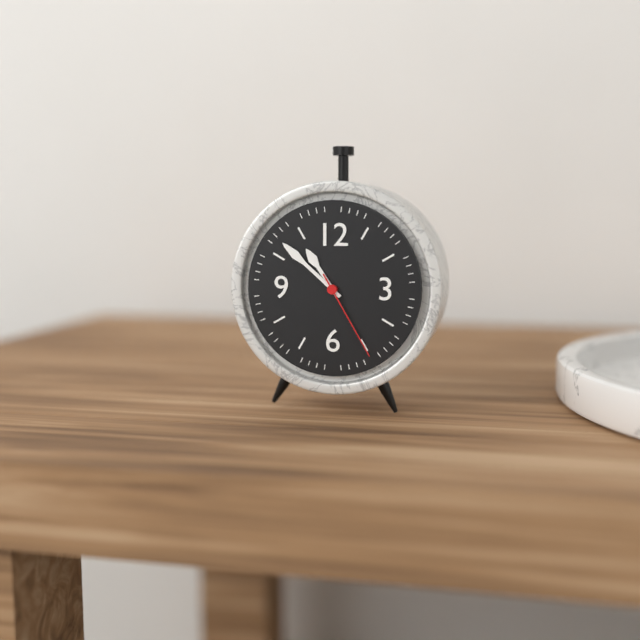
10:52:25
